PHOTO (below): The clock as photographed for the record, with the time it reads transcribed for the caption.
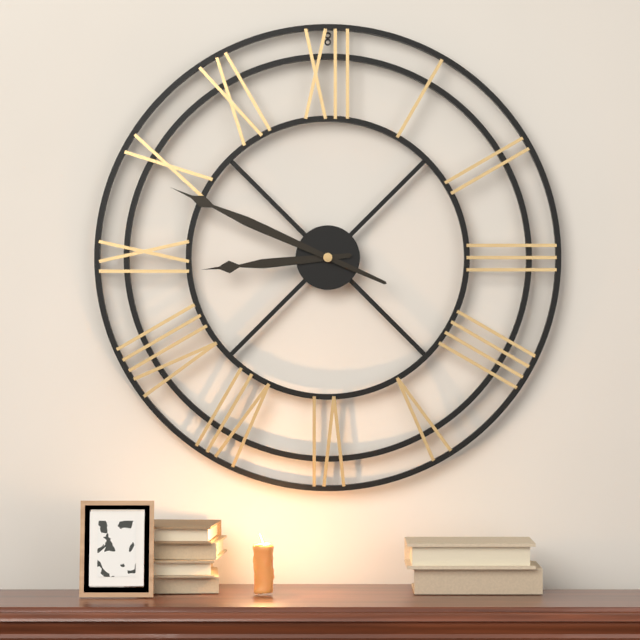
8:49
